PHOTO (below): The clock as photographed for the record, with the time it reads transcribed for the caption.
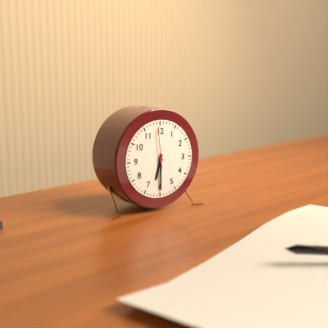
6:30
